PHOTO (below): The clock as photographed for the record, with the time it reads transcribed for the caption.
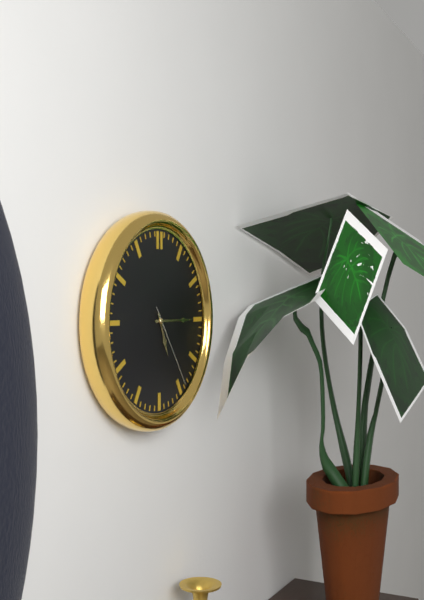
5:15:24
